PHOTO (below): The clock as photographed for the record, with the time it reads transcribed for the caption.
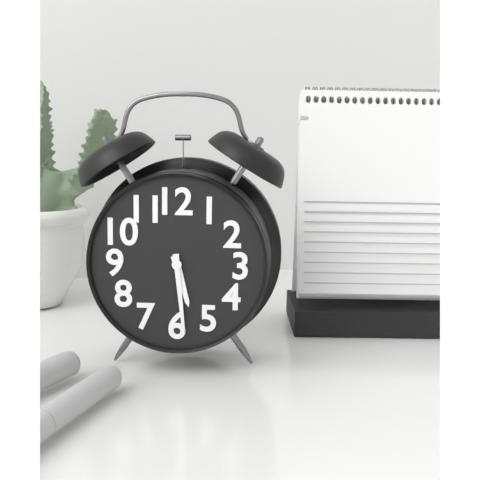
5:29
